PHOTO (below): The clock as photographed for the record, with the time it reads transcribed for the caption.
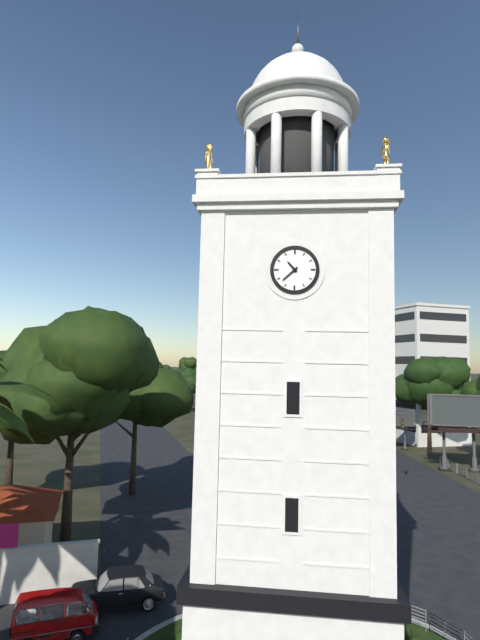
10:38
